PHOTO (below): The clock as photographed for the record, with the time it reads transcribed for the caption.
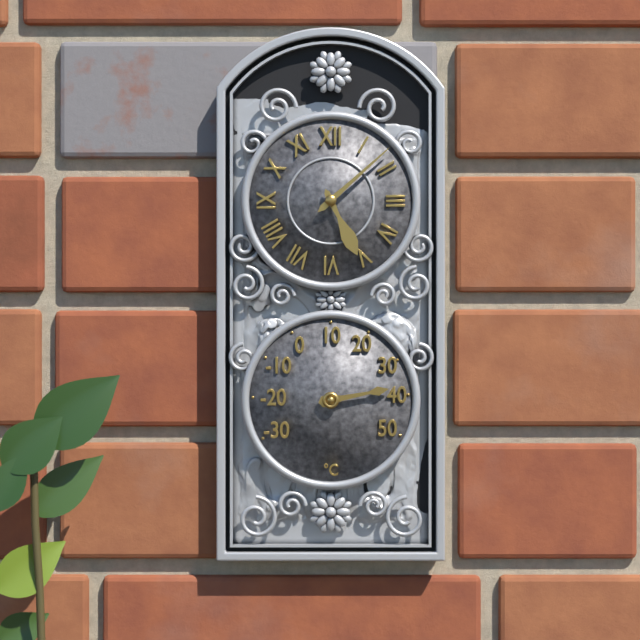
5:08
